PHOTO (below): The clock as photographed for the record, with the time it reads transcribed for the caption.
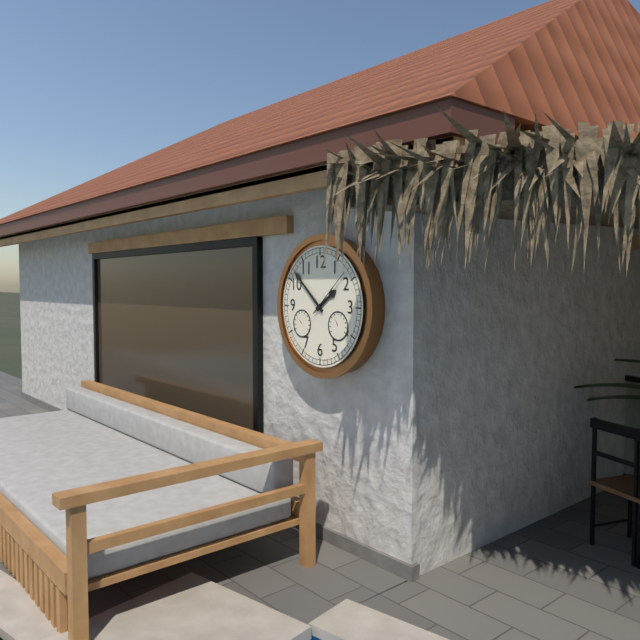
1:52:08
